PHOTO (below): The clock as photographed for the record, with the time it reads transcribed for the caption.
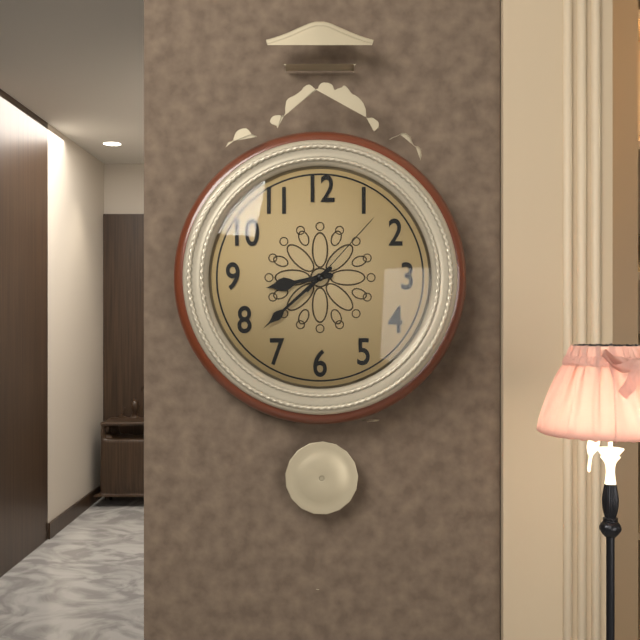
8:38:07
